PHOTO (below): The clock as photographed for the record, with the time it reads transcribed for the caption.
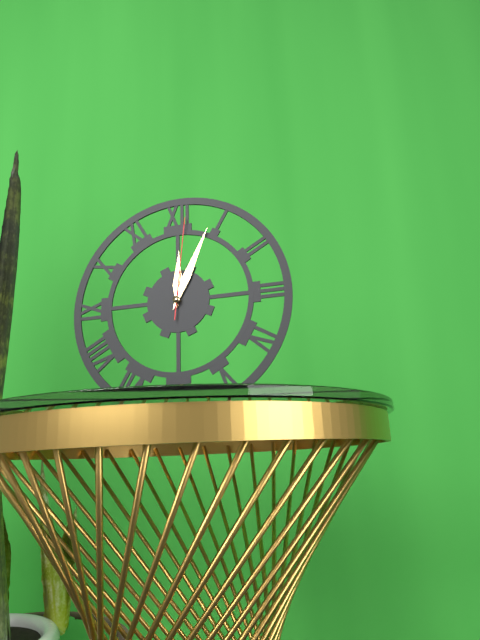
12:04:01
